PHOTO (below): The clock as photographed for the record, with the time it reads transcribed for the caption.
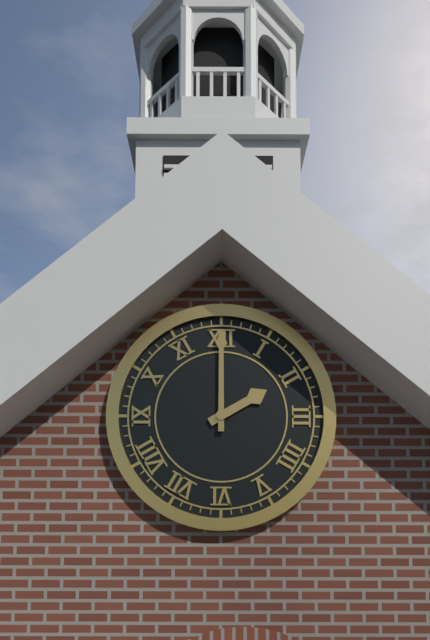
2:00
